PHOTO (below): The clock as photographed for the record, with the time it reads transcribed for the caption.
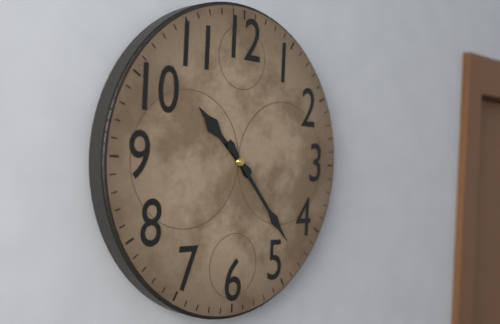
10:23
